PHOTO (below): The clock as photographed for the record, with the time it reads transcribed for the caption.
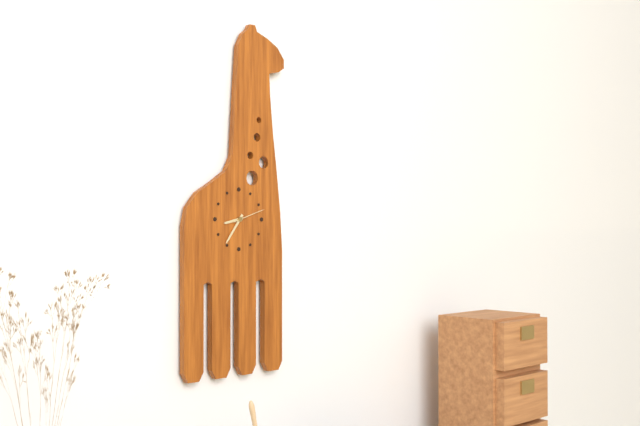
8:36
